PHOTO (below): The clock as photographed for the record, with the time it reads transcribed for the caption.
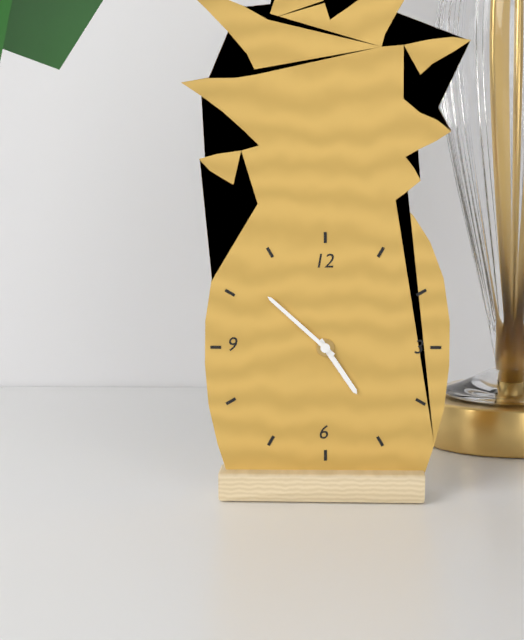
4:52
